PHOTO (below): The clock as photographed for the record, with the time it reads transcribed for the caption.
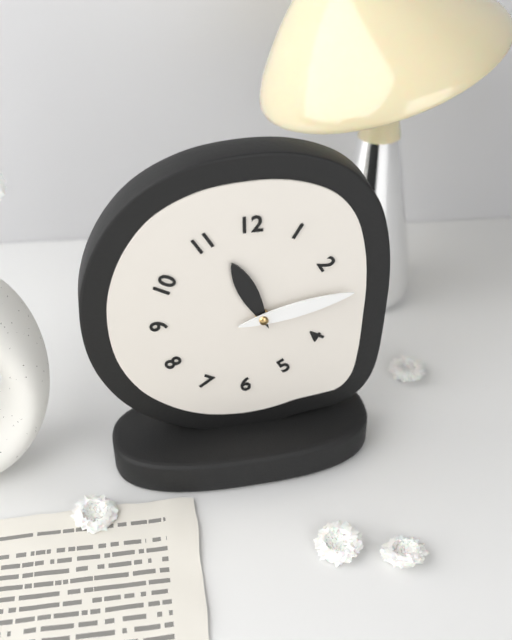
11:13
